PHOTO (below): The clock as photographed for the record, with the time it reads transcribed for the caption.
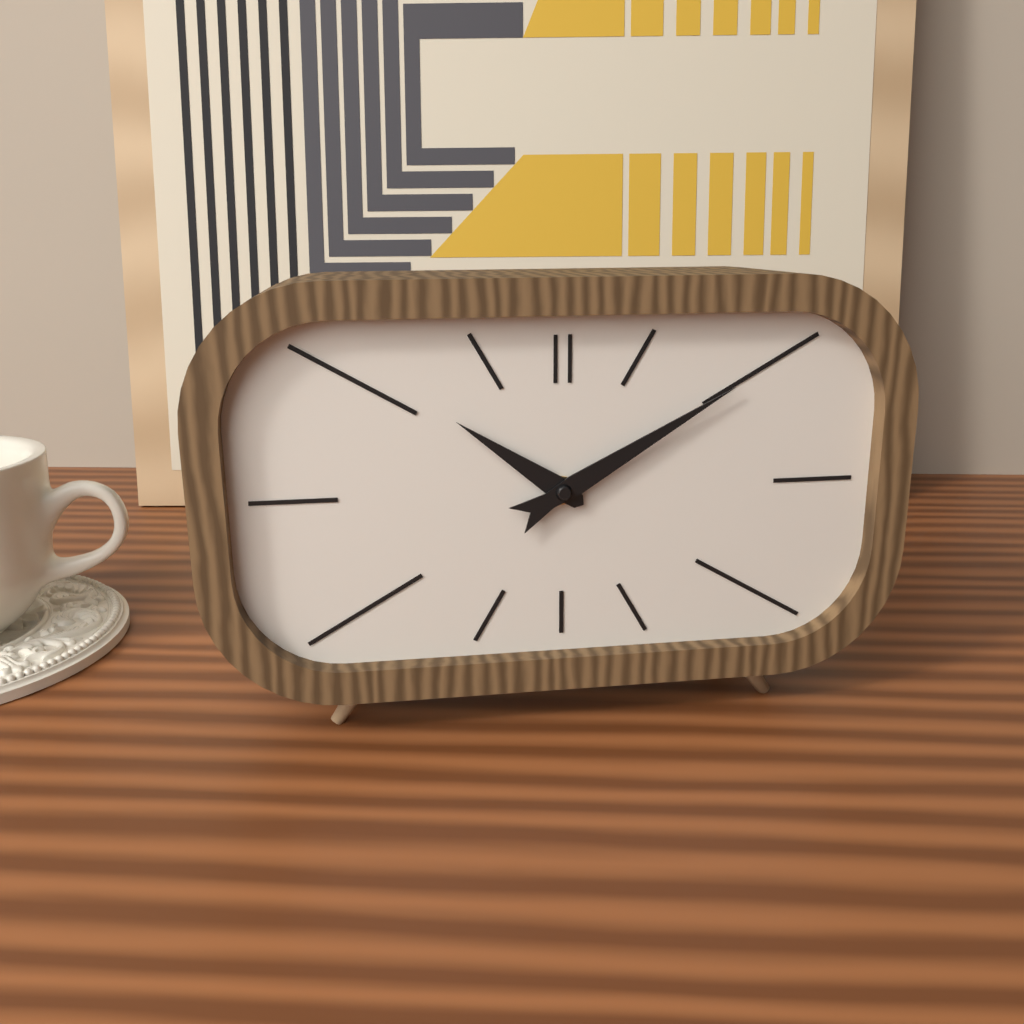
10:10
